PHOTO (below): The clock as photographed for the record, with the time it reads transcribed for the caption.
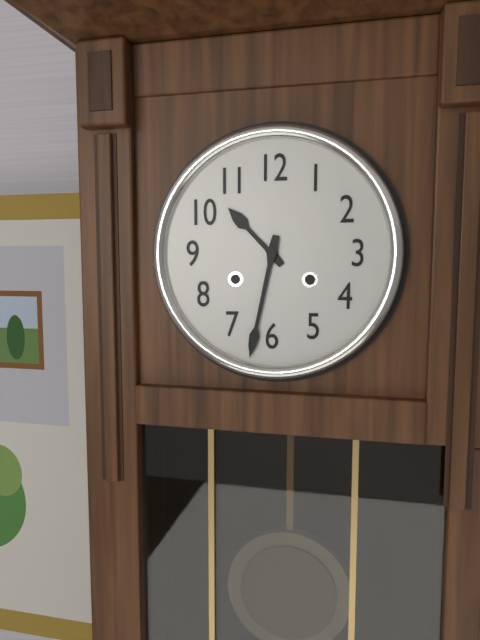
10:32
